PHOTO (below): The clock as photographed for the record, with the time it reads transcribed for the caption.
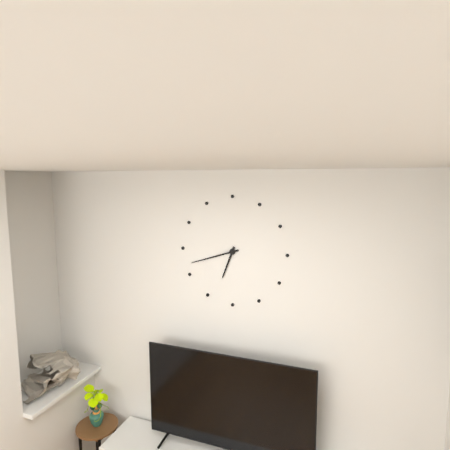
6:42
